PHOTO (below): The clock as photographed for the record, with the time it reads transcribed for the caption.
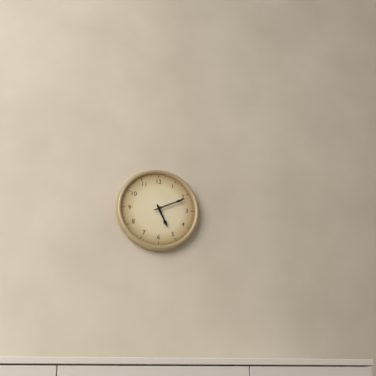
5:11
